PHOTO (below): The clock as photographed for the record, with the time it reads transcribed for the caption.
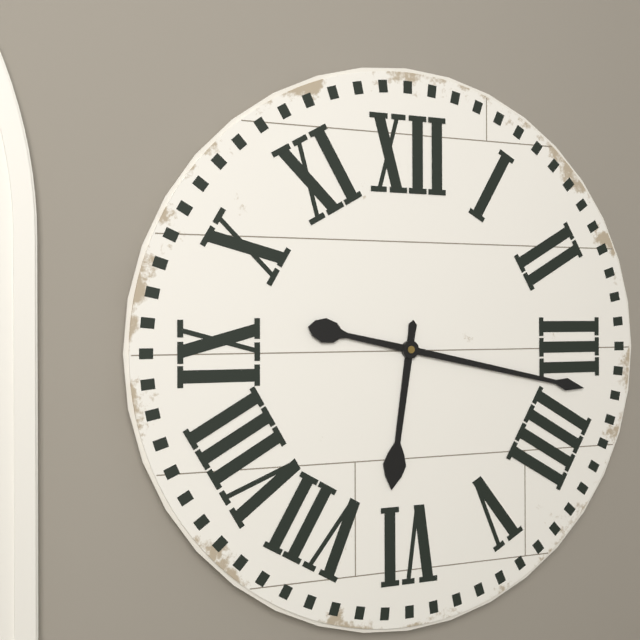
6:17
